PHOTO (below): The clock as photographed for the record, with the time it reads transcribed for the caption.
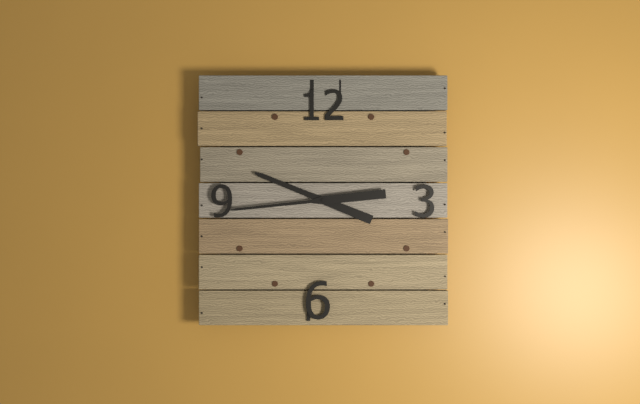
9:44
